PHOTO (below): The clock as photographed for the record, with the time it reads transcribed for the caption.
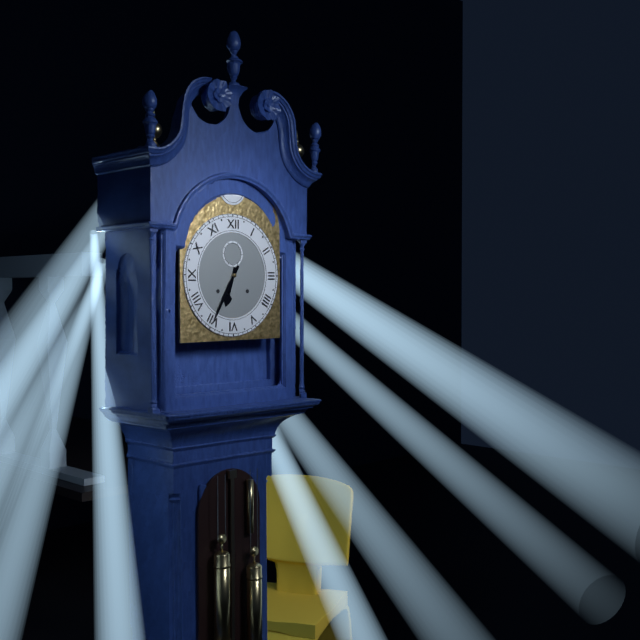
6:35
